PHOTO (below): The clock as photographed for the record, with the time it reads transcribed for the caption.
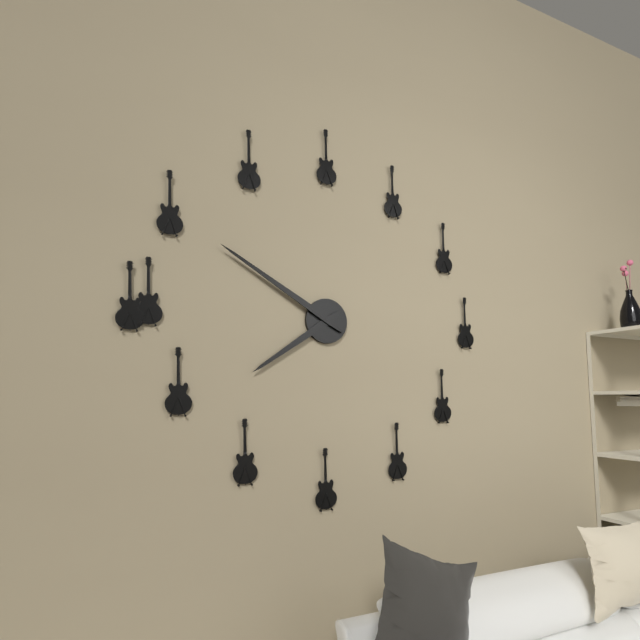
7:50
